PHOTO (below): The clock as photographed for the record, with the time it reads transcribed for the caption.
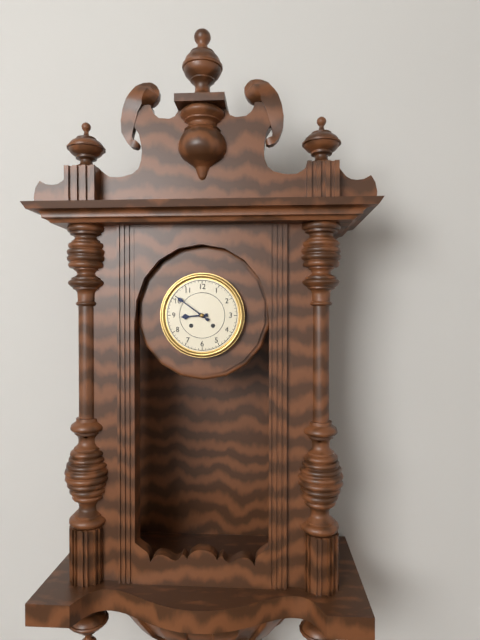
8:51
